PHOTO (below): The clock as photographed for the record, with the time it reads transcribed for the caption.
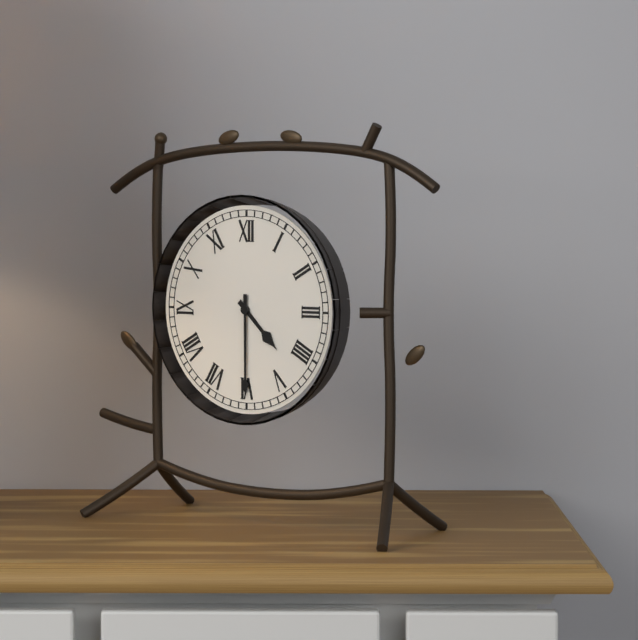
4:30
